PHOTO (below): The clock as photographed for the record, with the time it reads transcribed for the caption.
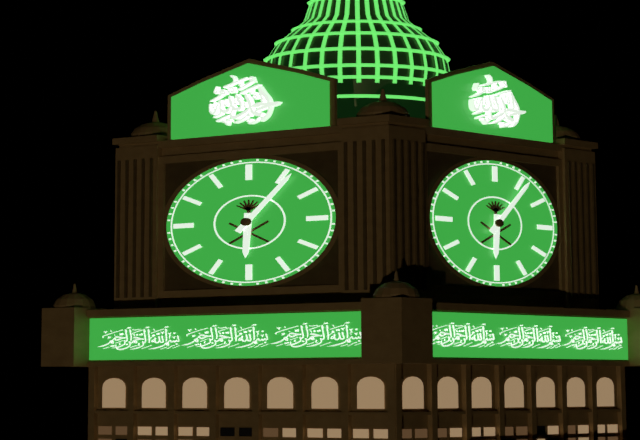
6:06
